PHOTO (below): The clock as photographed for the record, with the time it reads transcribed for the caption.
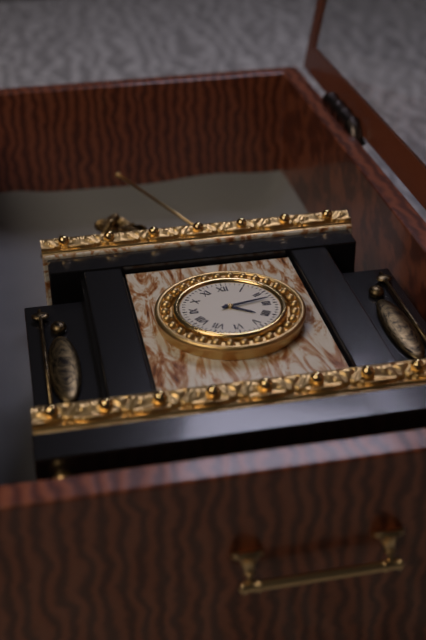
4:13
